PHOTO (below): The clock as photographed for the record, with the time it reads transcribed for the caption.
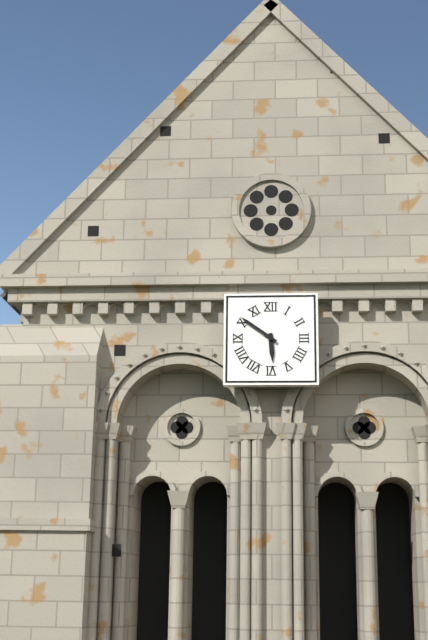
5:51
